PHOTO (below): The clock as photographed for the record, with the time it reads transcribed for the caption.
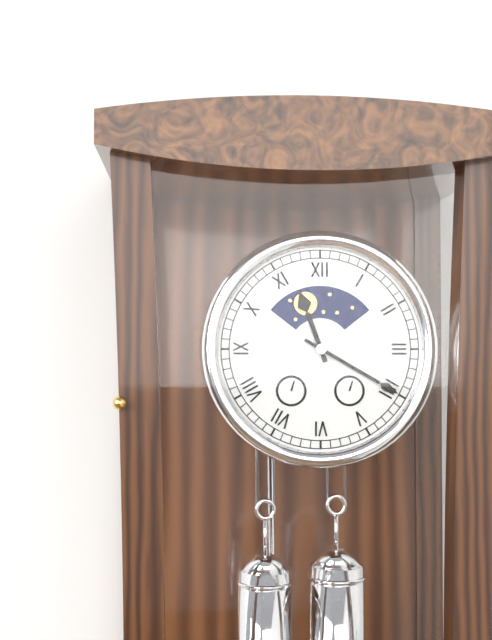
11:20
